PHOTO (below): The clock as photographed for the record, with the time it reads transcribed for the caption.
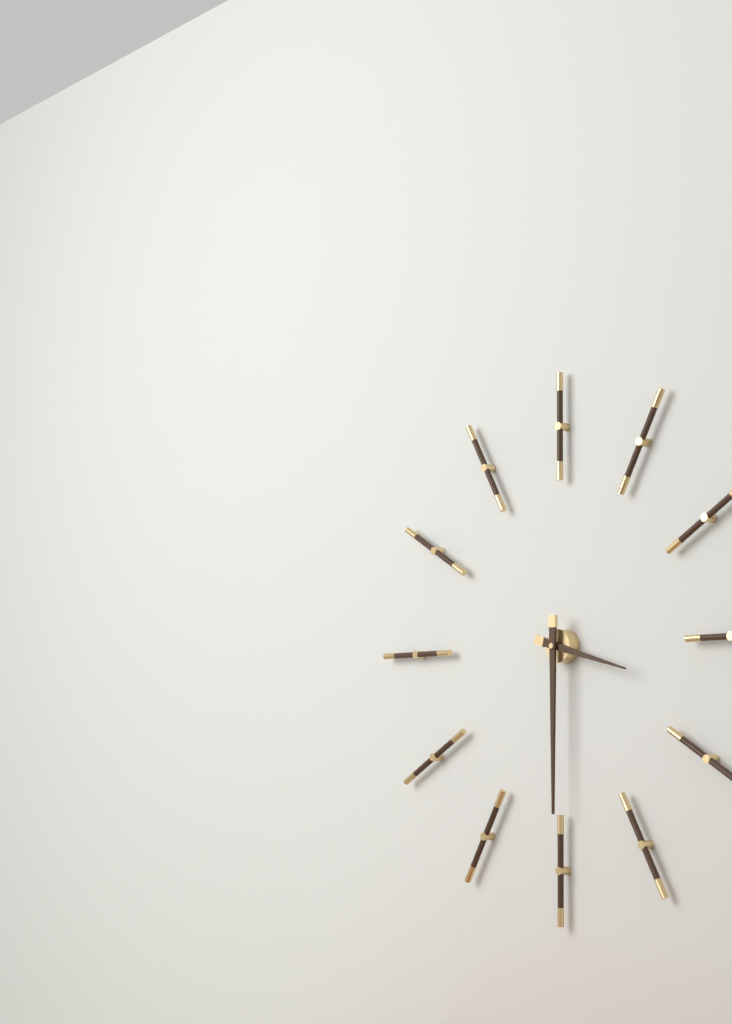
3:30
